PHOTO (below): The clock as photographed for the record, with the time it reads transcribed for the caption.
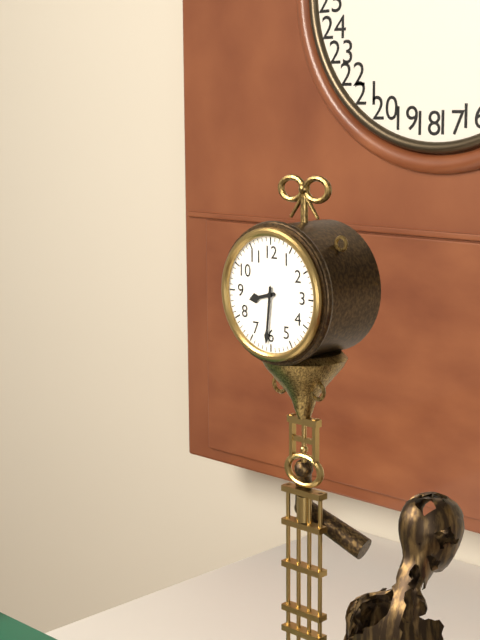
8:31
